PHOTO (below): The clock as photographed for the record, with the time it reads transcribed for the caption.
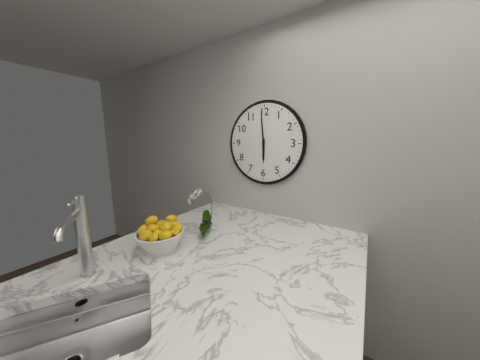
5:59
